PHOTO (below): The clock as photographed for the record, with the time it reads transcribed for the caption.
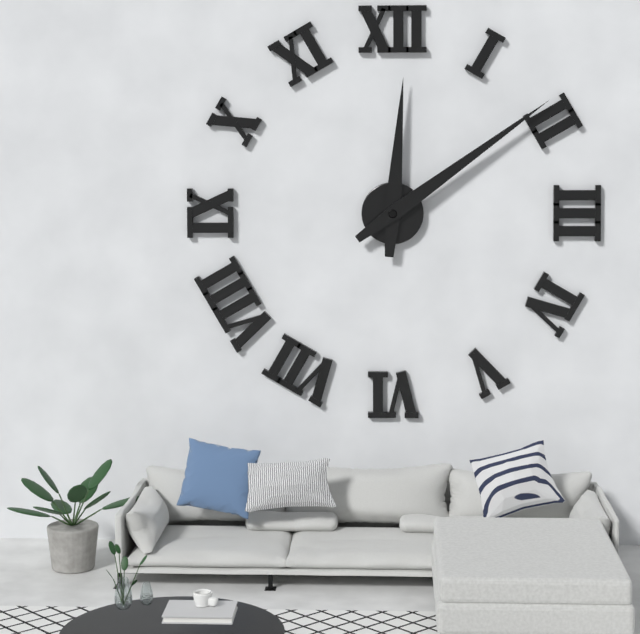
12:09
